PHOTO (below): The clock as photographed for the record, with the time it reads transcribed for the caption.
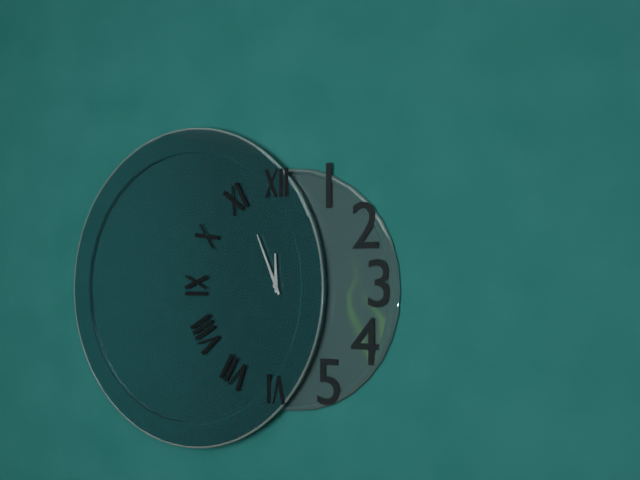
11:56
